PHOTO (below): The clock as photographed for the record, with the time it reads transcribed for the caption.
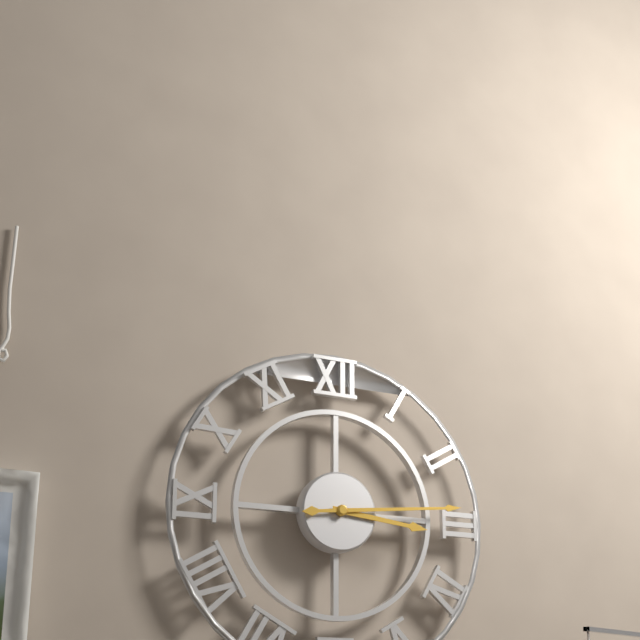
3:14
